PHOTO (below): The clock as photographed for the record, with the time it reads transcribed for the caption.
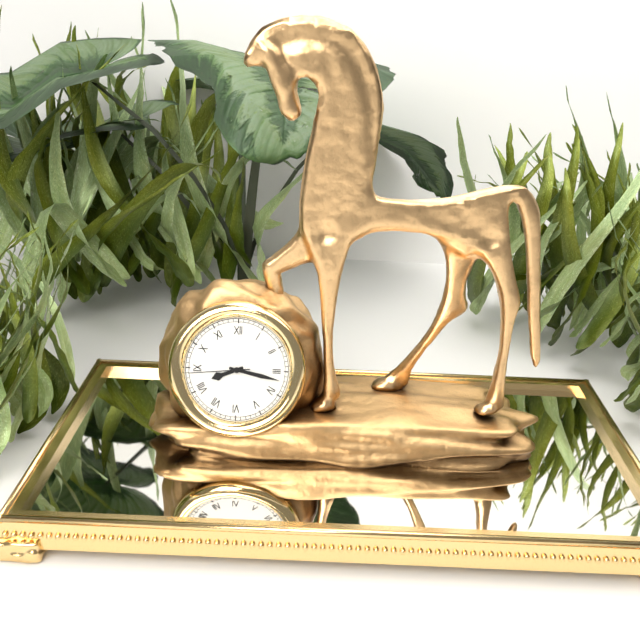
8:17:44
